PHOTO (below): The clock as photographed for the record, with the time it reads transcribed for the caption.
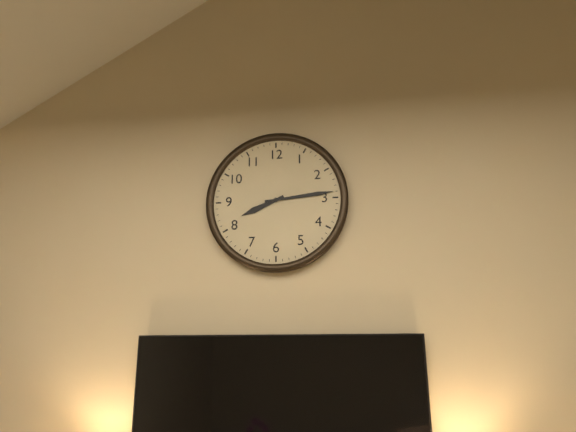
8:14
